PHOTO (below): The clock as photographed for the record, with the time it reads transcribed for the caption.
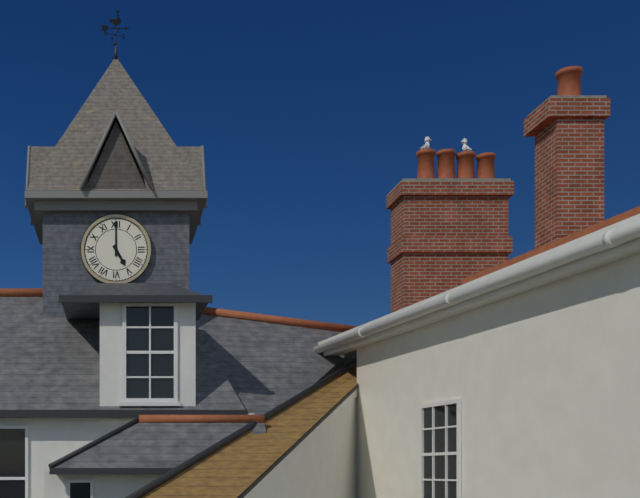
5:00
